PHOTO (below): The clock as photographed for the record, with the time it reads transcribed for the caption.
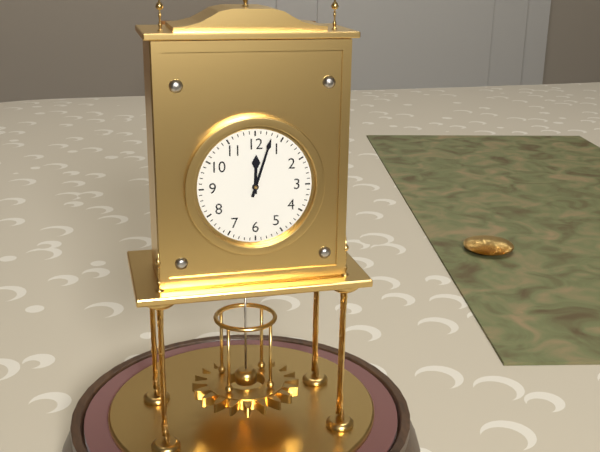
12:03
